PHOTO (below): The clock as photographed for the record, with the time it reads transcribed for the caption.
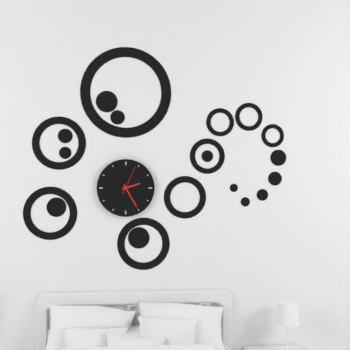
2:25
